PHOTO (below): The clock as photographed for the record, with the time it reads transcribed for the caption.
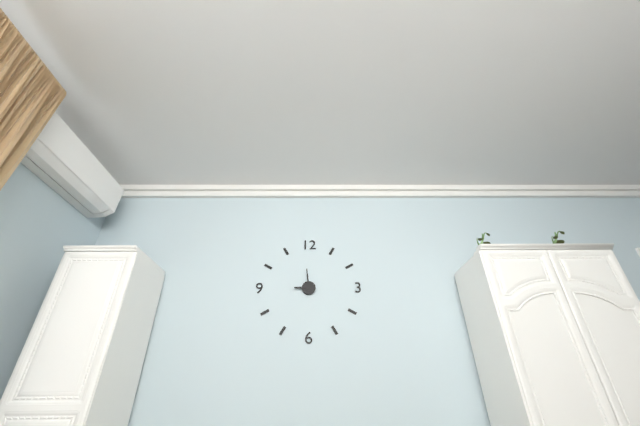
8:59
